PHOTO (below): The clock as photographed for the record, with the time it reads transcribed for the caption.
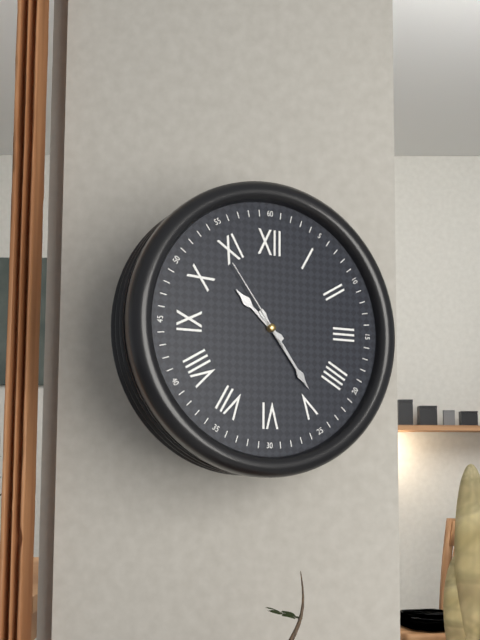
10:24:54
